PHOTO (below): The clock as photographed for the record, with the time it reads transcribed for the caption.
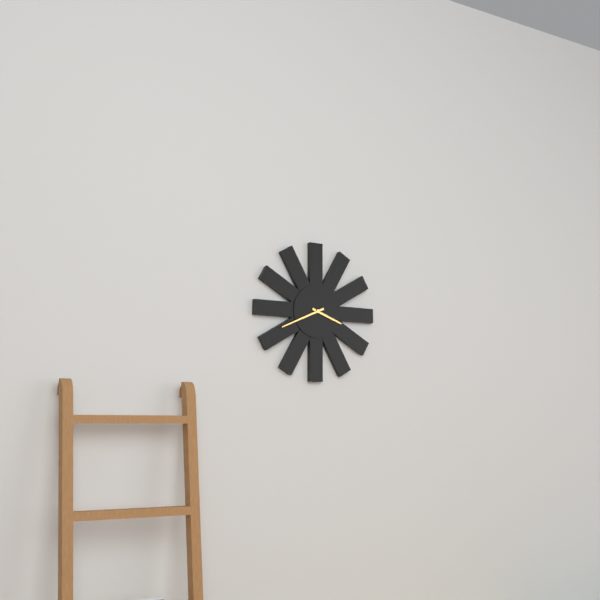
3:41
